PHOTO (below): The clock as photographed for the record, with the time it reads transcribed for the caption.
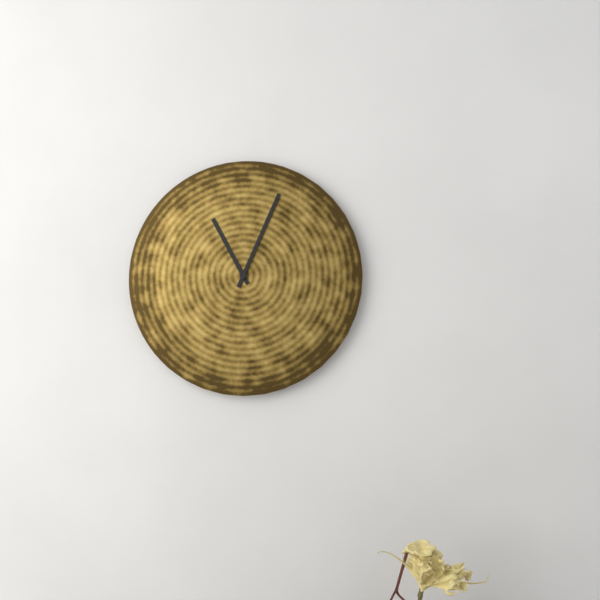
11:04
